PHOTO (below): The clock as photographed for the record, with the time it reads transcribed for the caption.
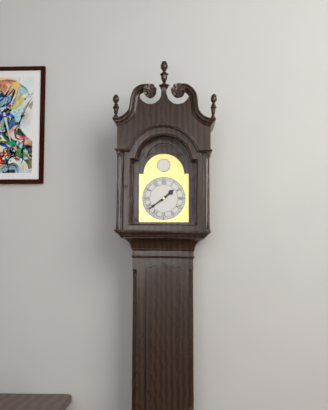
1:39
